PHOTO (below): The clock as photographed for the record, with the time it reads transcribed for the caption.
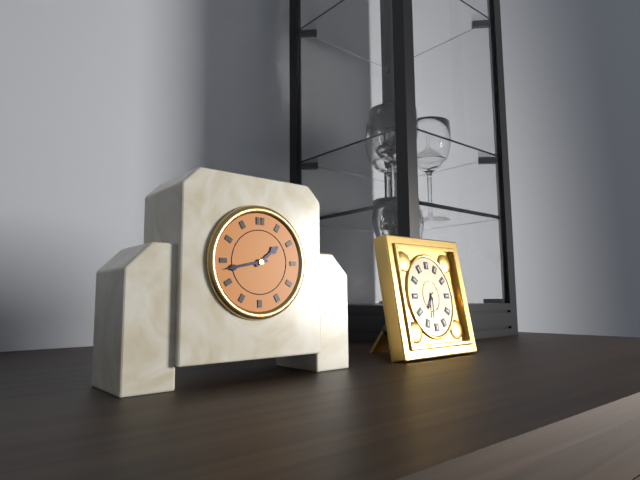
1:43
